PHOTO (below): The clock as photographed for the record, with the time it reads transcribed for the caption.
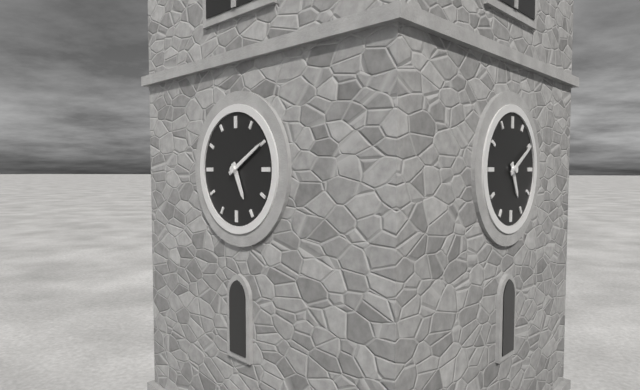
5:10
